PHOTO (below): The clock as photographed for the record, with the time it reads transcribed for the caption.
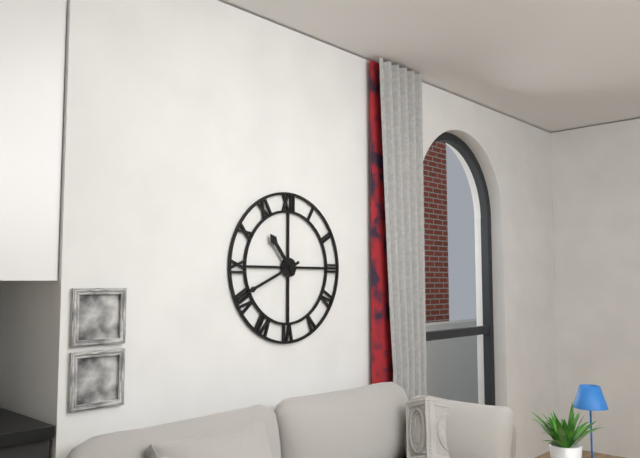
10:41
